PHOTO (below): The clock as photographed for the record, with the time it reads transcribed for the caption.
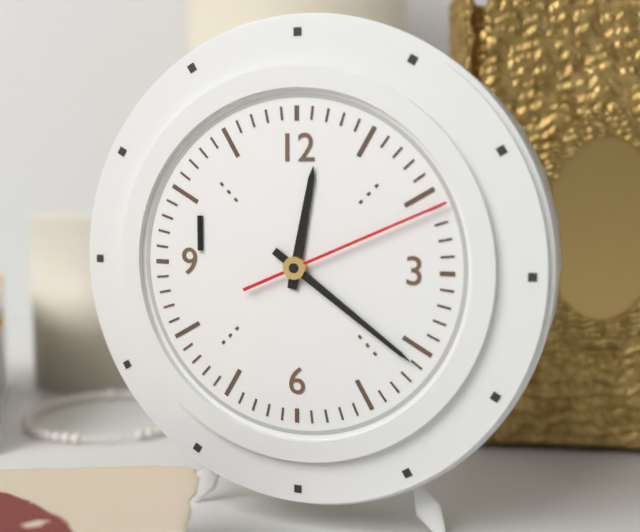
12:21:11
